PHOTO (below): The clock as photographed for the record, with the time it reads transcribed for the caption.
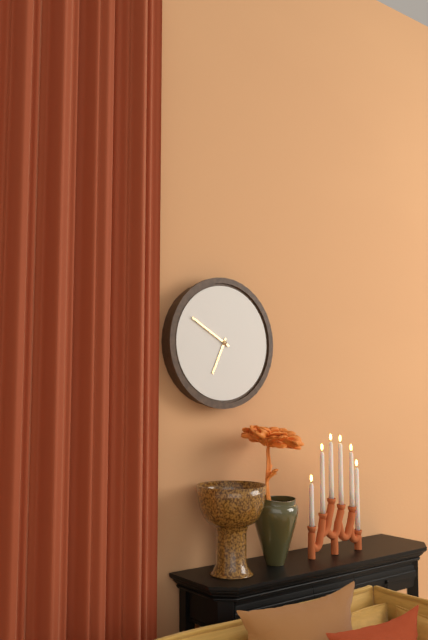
6:50
